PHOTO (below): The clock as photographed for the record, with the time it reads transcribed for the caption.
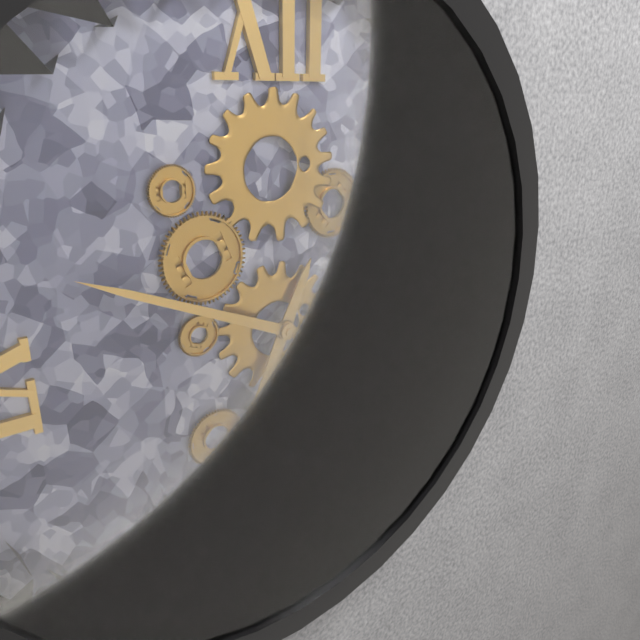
6:49
